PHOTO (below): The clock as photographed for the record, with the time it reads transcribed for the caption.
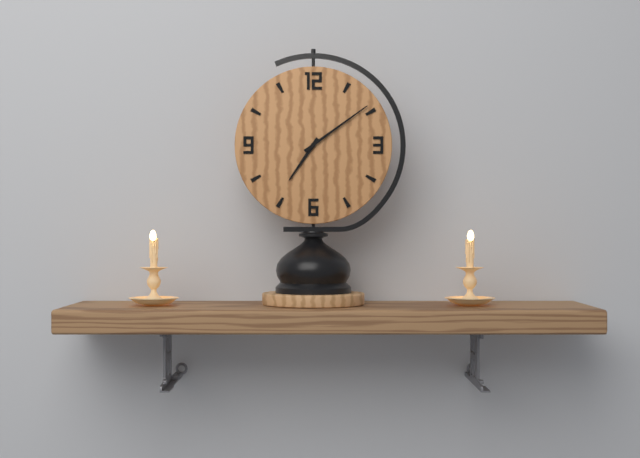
7:09
